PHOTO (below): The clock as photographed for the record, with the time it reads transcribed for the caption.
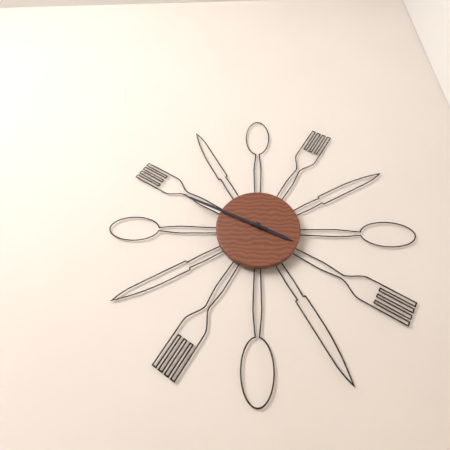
3:49
